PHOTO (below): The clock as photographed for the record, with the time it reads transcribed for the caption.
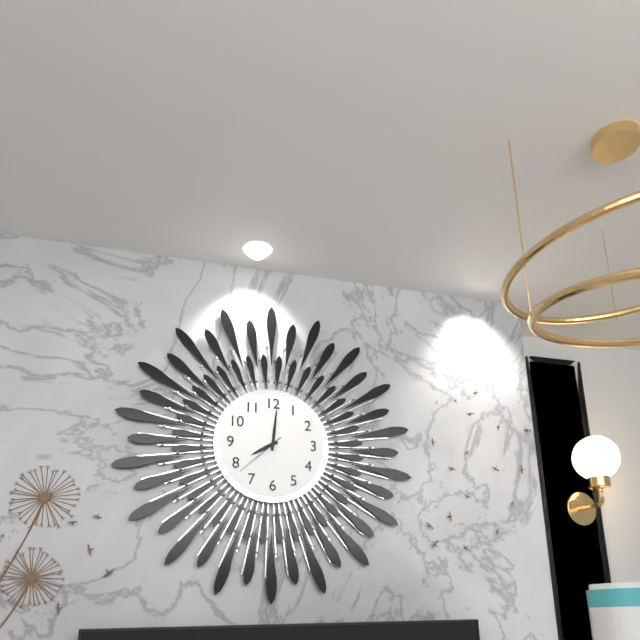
8:01
